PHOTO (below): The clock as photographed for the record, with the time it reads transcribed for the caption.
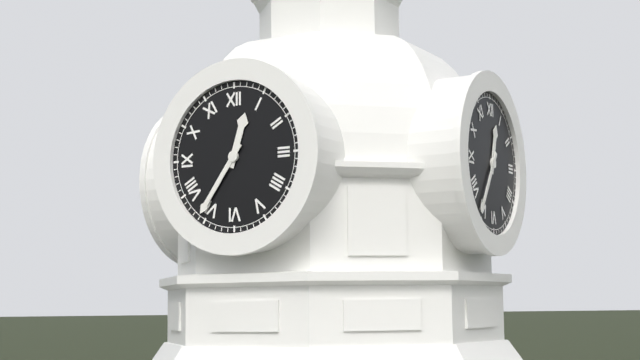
12:36
